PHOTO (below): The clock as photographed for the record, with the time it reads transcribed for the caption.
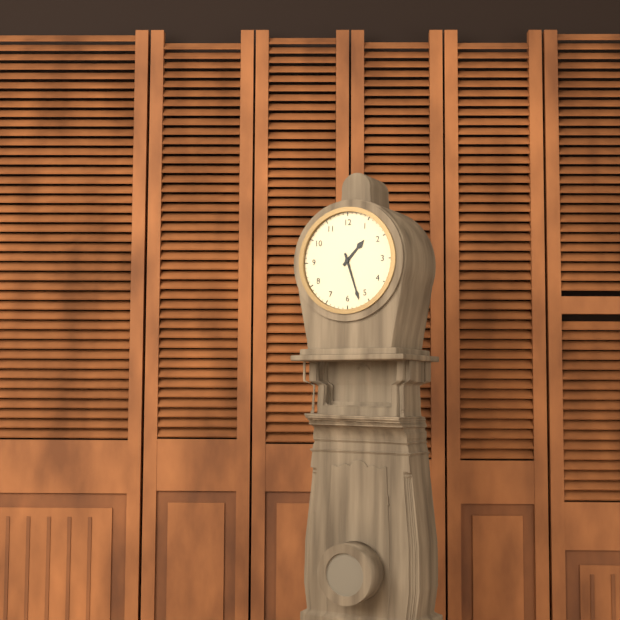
1:27
